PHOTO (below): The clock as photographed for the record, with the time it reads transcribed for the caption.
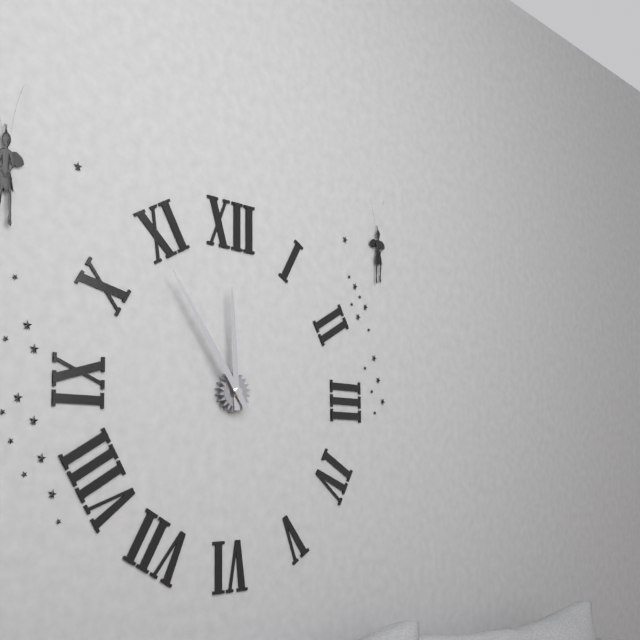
11:54
